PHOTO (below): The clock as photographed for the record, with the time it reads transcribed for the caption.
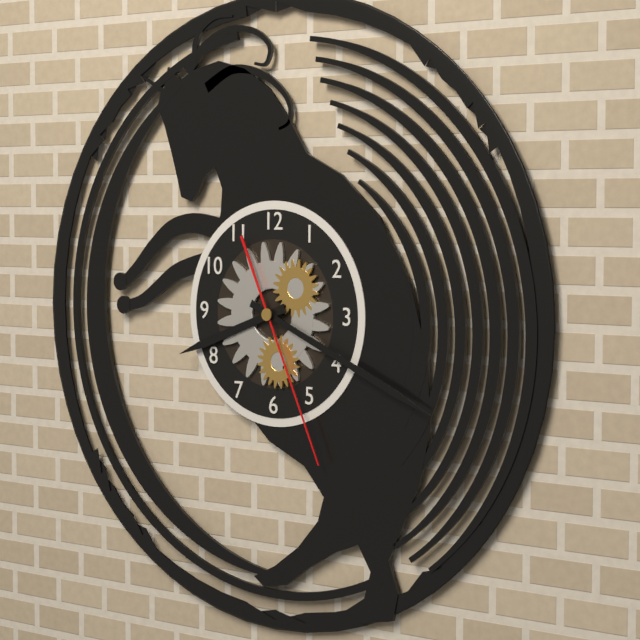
8:19:26
